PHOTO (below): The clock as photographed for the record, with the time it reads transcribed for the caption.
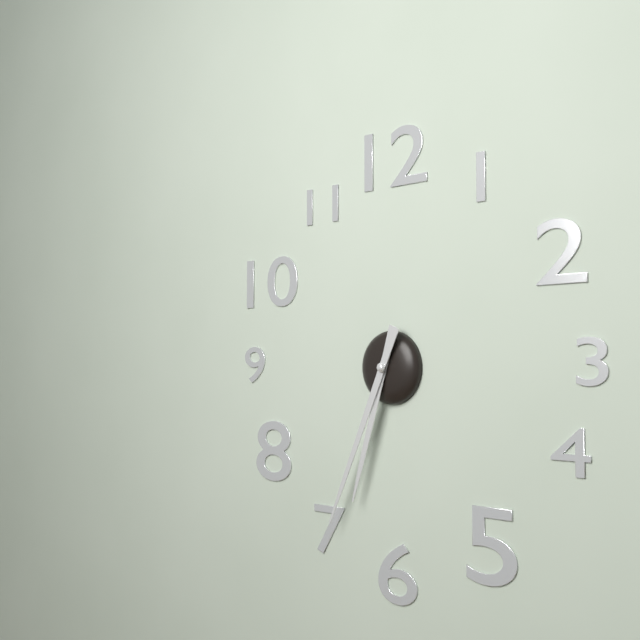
6:34
